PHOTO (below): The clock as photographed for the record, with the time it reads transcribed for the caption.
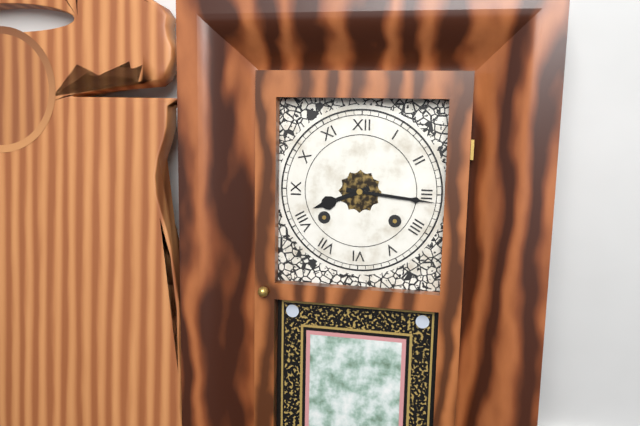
8:16
